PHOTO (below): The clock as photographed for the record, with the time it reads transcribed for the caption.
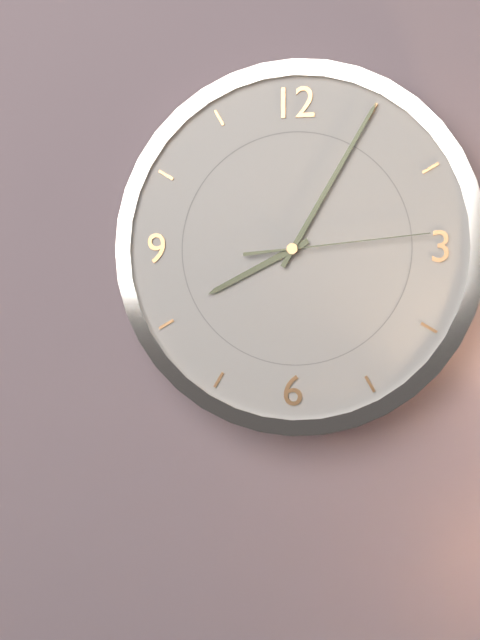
8:05:14
